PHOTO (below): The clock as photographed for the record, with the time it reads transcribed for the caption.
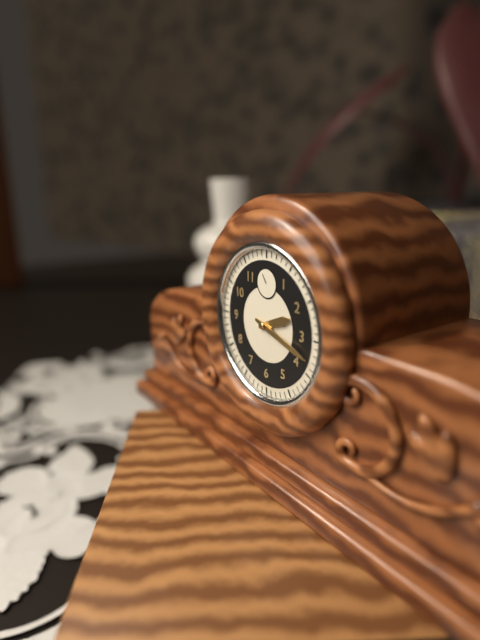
2:18
